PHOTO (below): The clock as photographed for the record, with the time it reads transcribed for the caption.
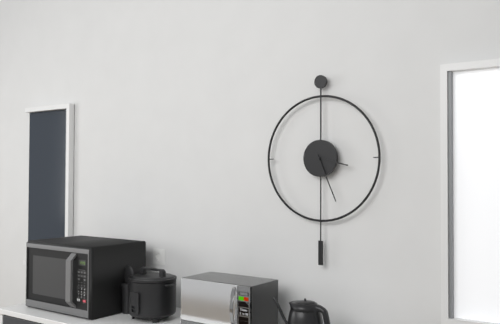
3:26
